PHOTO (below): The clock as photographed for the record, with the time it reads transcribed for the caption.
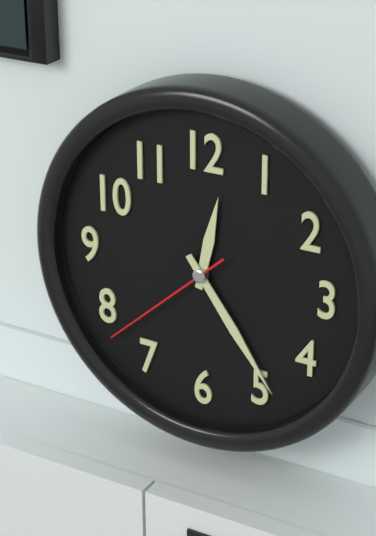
12:24:38
